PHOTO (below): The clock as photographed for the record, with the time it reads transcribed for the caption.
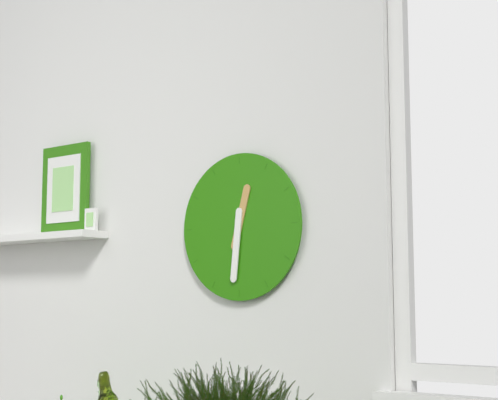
12:31
